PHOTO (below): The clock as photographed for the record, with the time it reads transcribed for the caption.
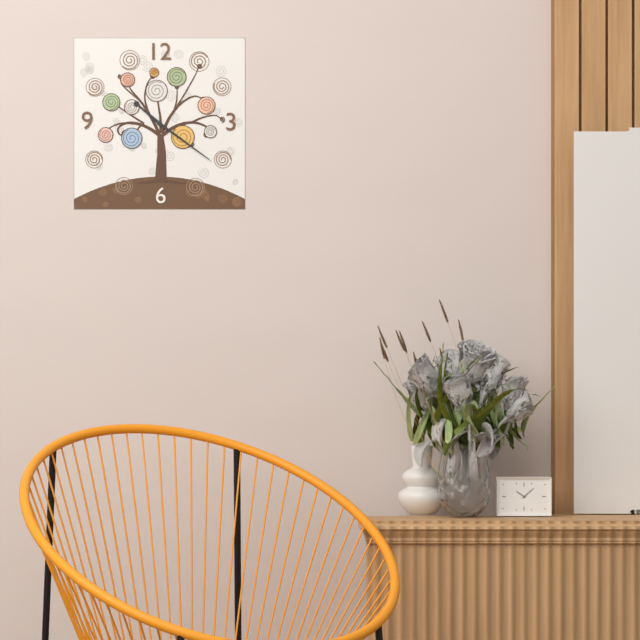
10:21
